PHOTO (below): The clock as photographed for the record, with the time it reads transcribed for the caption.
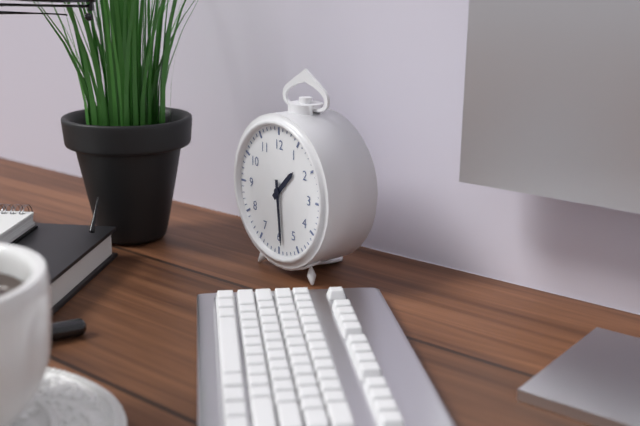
1:29
